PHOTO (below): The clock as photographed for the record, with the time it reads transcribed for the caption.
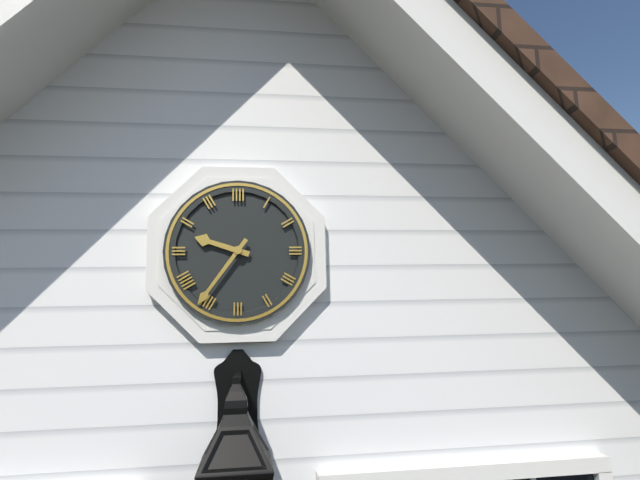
9:36
